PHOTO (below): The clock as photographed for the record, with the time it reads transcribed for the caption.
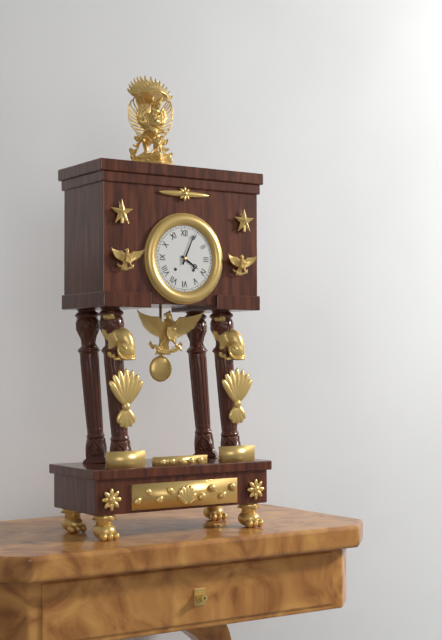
4:04
